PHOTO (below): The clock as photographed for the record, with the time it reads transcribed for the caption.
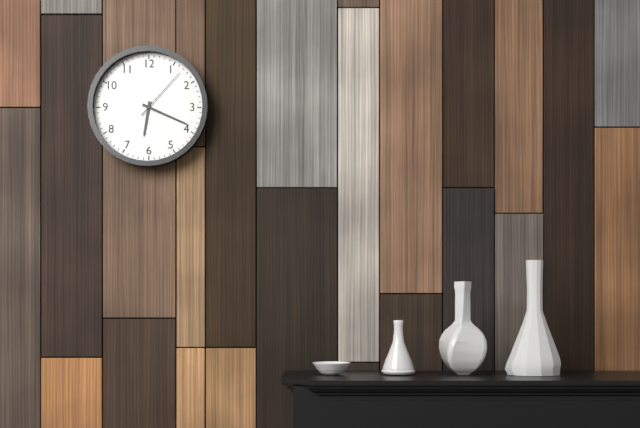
6:19:07
